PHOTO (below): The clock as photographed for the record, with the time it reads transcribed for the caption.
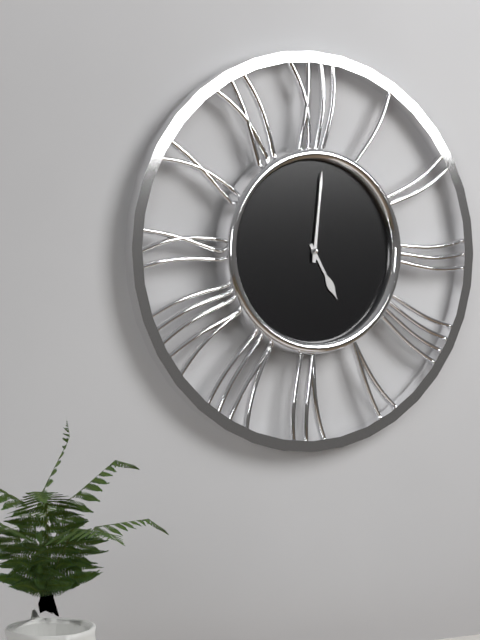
5:01
